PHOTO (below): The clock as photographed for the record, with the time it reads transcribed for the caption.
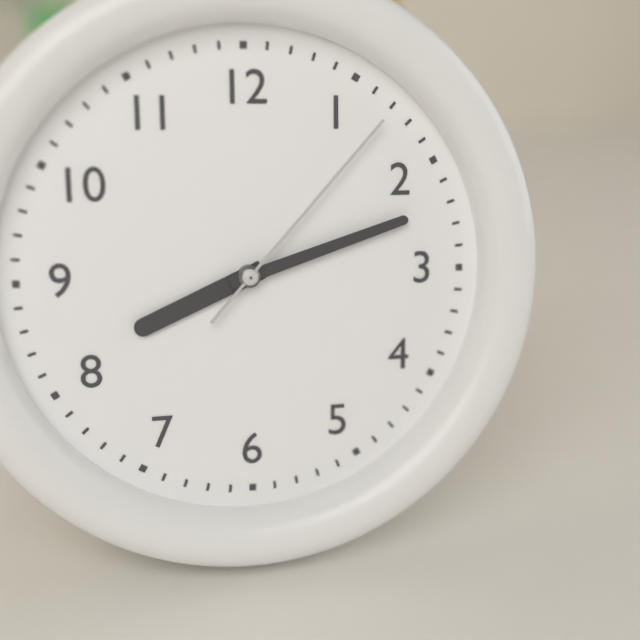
8:12:07
